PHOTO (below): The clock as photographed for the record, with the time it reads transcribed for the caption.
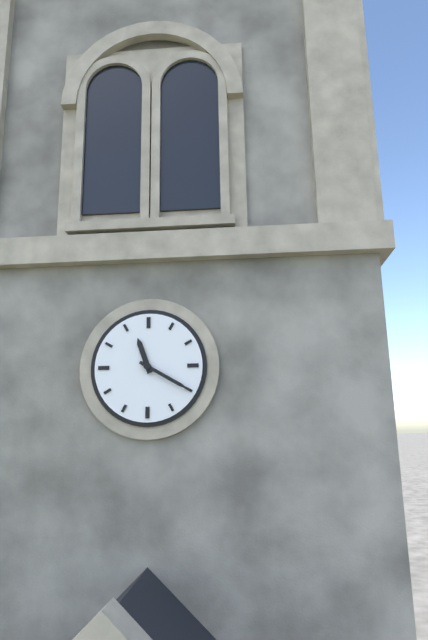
11:20
